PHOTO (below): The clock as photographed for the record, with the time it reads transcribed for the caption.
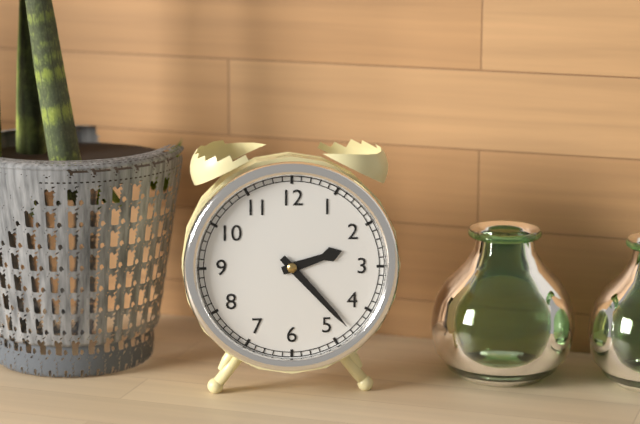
2:23
